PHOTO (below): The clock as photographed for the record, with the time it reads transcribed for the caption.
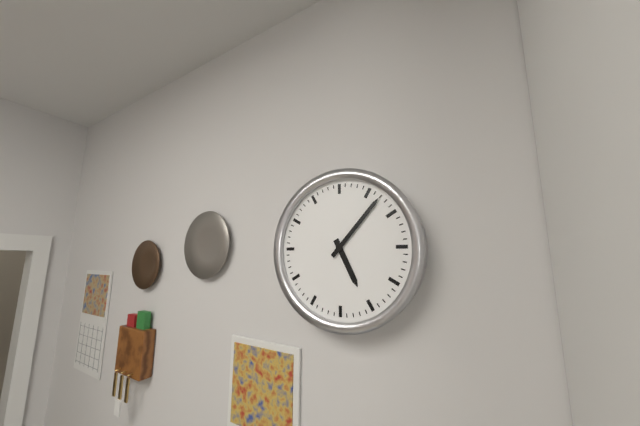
5:07
